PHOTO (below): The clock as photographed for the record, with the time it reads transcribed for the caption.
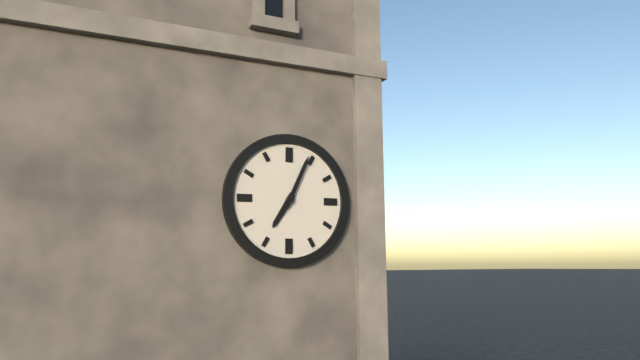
7:04
